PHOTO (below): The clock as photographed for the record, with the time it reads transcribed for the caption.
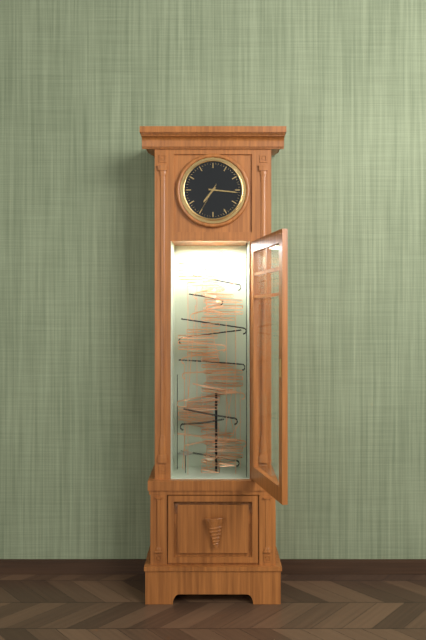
7:16
